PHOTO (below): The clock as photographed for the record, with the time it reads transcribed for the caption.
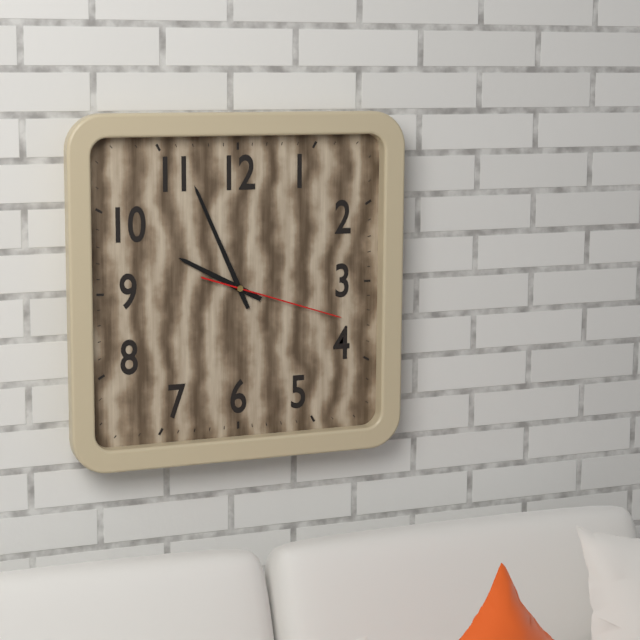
9:56:18
